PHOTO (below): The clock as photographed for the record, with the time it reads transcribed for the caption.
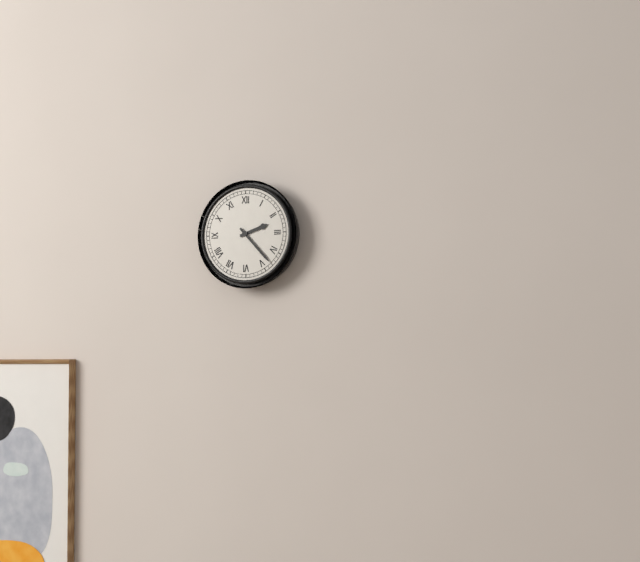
2:23
